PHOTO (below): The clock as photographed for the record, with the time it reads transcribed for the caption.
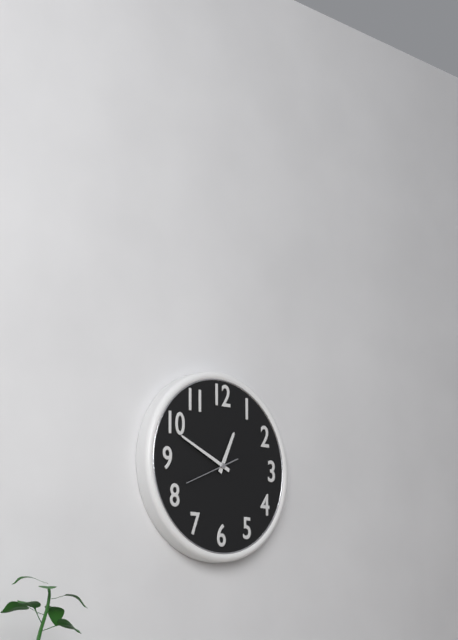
12:49:41
